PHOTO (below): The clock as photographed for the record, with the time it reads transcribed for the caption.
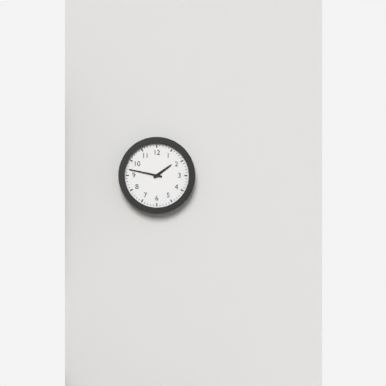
1:47
